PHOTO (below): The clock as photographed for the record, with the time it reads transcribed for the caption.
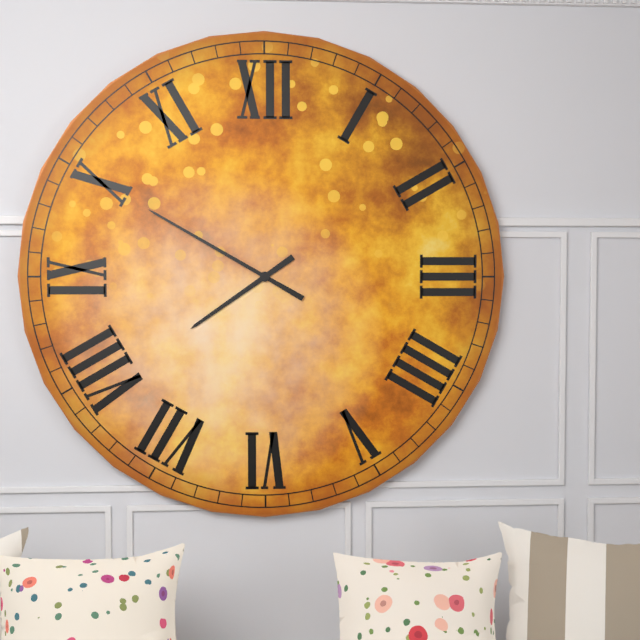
7:50
